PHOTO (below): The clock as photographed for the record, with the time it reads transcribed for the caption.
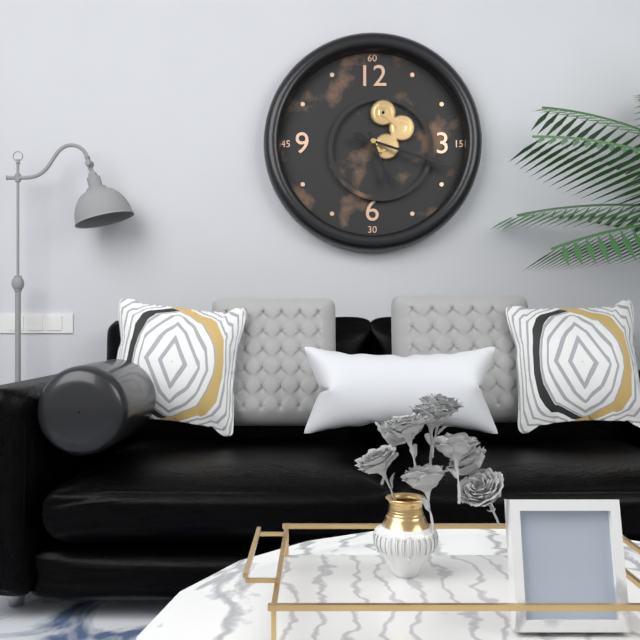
5:18
